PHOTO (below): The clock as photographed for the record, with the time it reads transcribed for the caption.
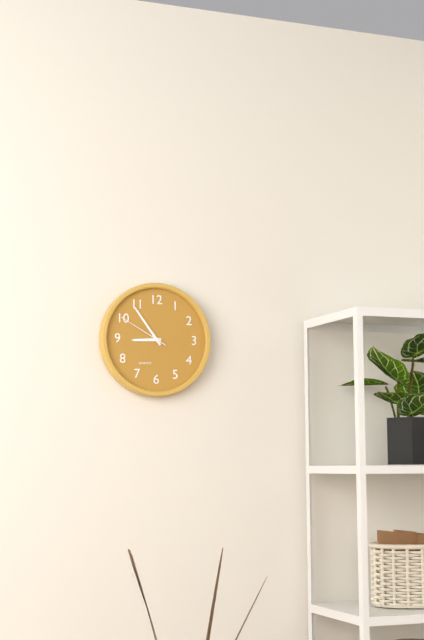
8:54:50
